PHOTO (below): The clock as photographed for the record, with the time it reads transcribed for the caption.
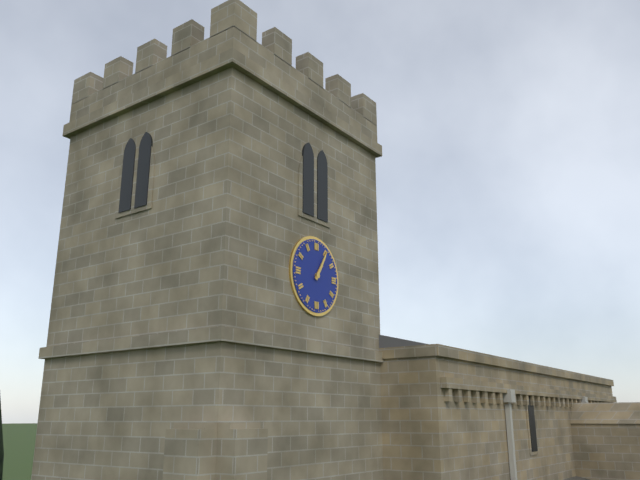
1:05
